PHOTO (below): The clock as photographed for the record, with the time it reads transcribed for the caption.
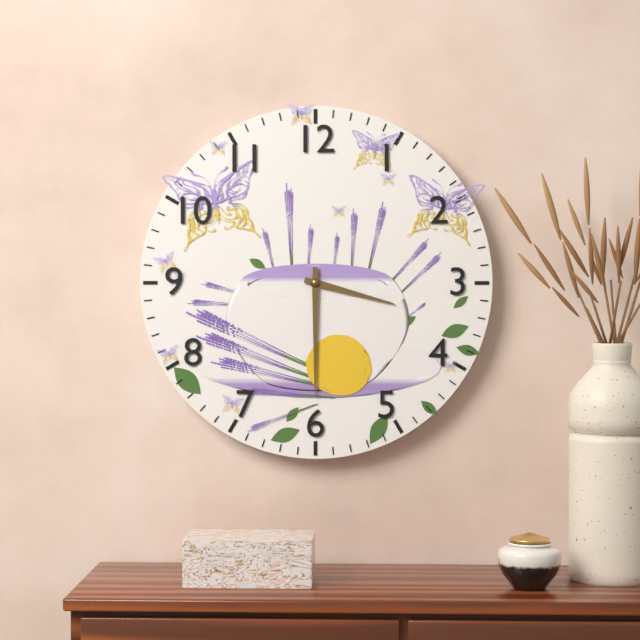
3:30
